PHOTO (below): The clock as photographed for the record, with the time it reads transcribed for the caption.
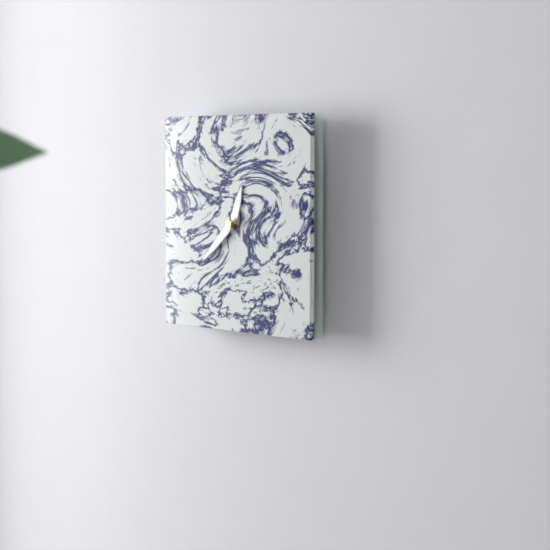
12:38
